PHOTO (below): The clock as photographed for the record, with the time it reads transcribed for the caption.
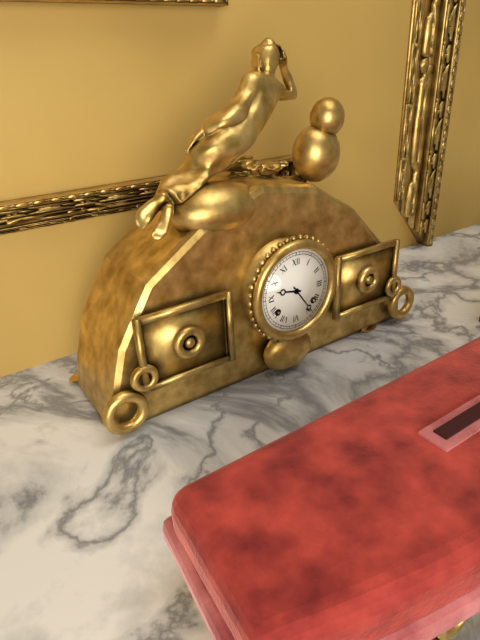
9:24
